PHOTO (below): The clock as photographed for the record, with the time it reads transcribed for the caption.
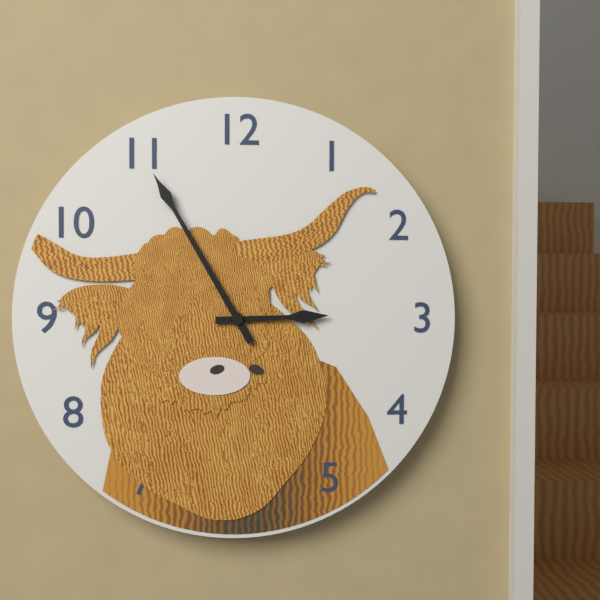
2:55
